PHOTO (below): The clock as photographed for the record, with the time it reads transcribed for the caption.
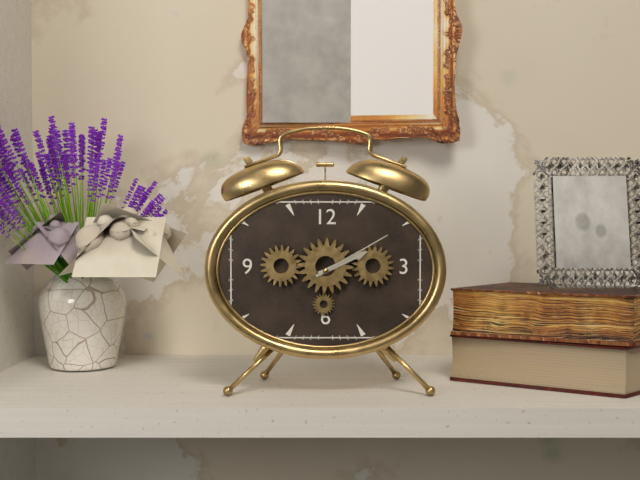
2:10
